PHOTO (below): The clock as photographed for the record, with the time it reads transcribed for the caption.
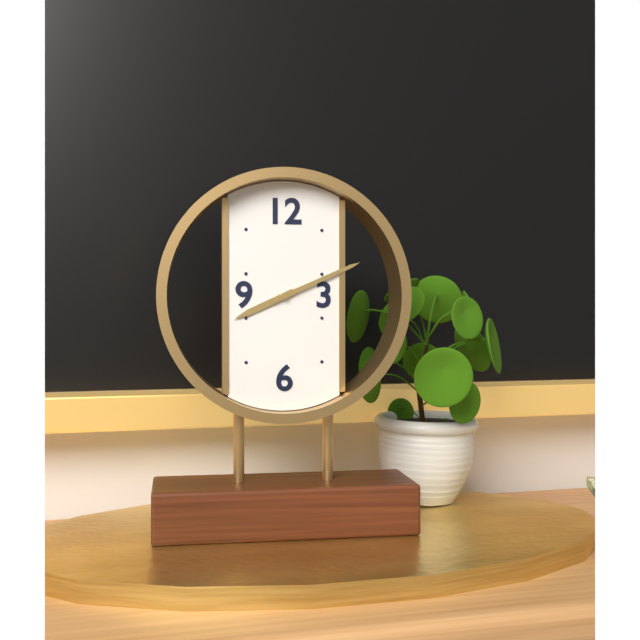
8:11
